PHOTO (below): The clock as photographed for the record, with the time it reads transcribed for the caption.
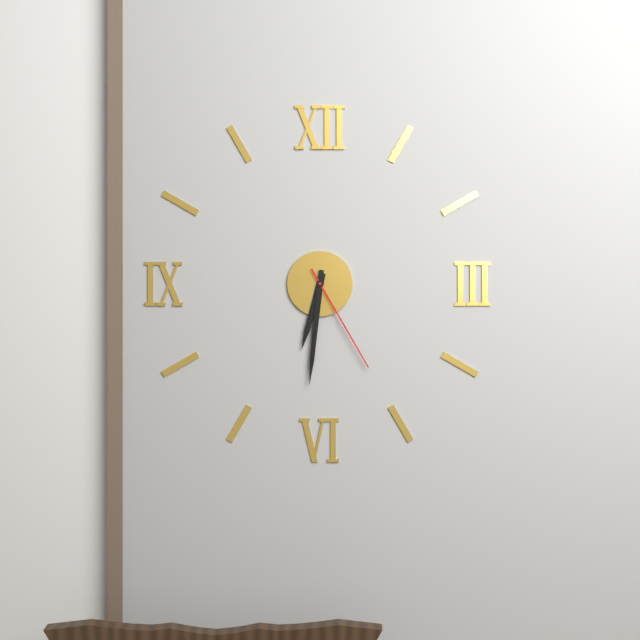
6:31:25
